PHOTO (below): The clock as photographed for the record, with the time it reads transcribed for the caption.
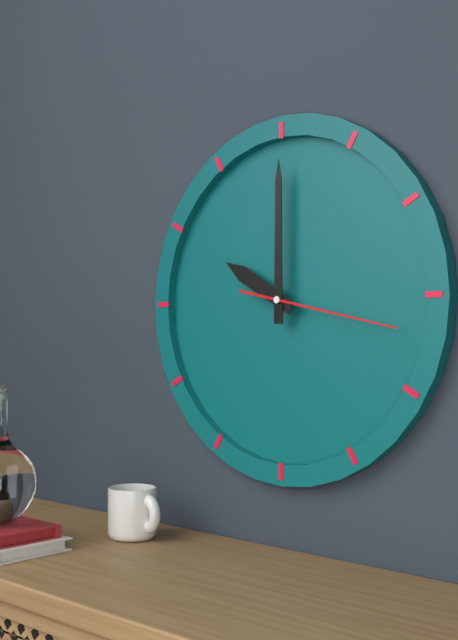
10:00:17
